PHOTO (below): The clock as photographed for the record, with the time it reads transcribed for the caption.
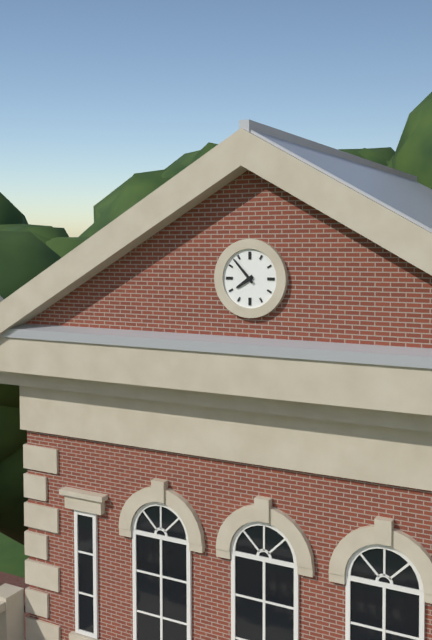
7:53
